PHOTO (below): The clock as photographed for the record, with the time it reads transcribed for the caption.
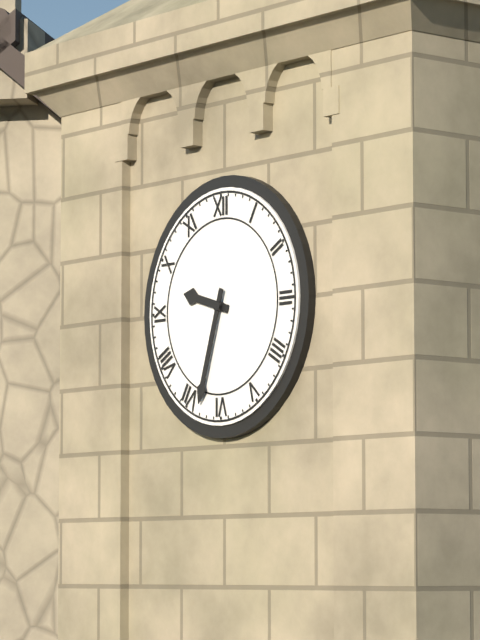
9:33
